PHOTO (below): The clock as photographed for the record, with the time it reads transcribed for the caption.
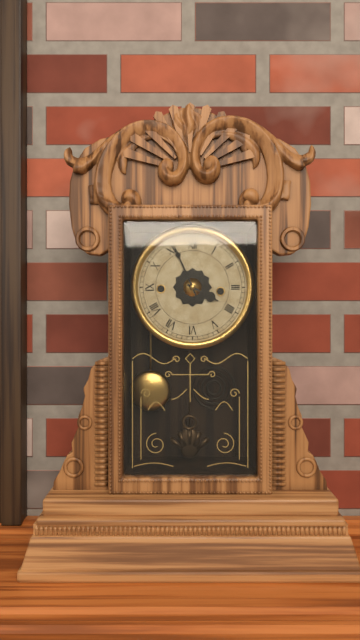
3:56
